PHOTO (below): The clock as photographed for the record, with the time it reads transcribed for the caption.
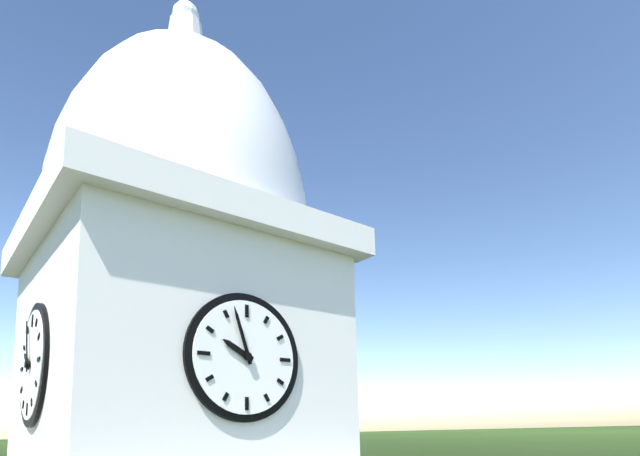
9:57
